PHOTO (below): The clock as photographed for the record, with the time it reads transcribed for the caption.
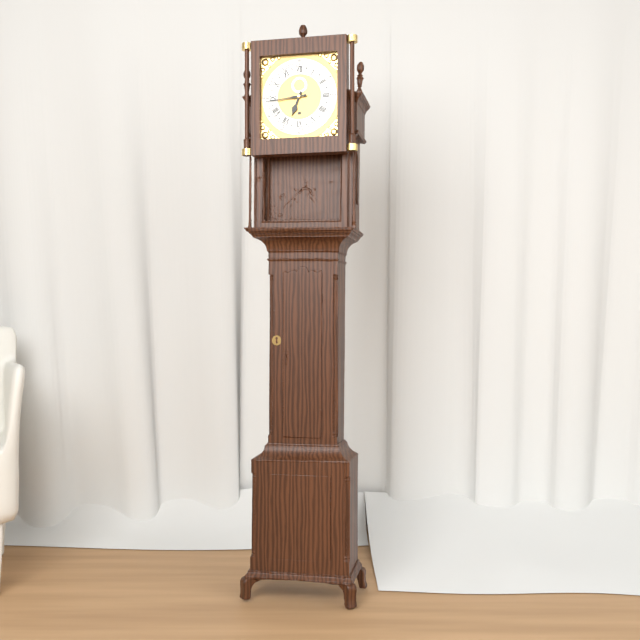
6:44
